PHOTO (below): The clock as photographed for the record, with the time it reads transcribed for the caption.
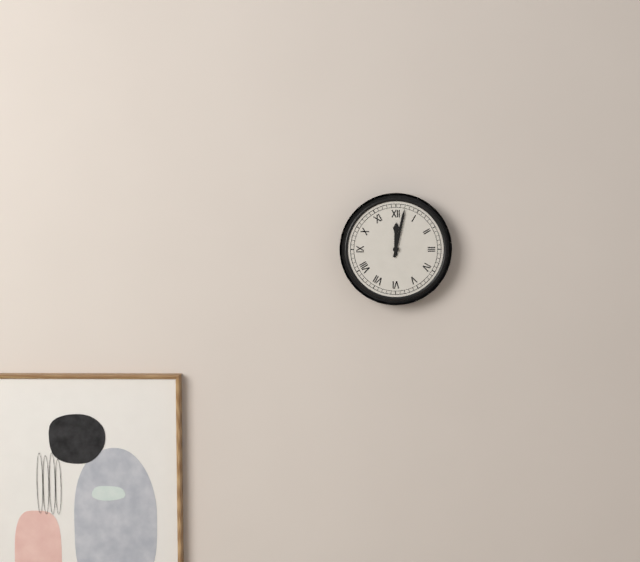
12:02
